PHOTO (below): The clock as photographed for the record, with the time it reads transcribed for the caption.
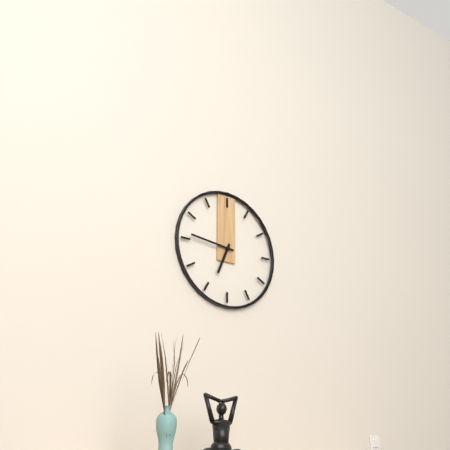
6:46
